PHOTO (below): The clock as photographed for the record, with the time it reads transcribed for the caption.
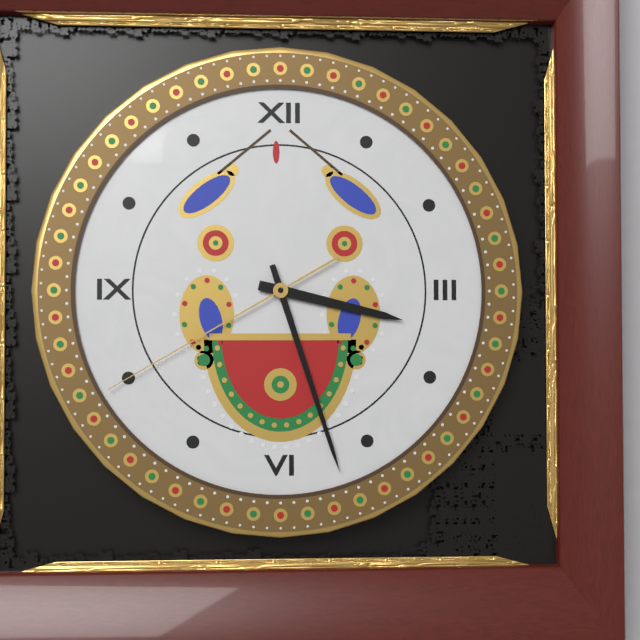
3:27:40
